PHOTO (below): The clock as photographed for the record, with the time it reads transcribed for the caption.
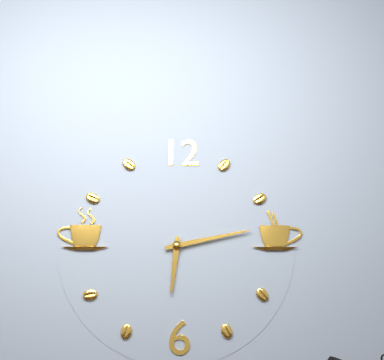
6:13
